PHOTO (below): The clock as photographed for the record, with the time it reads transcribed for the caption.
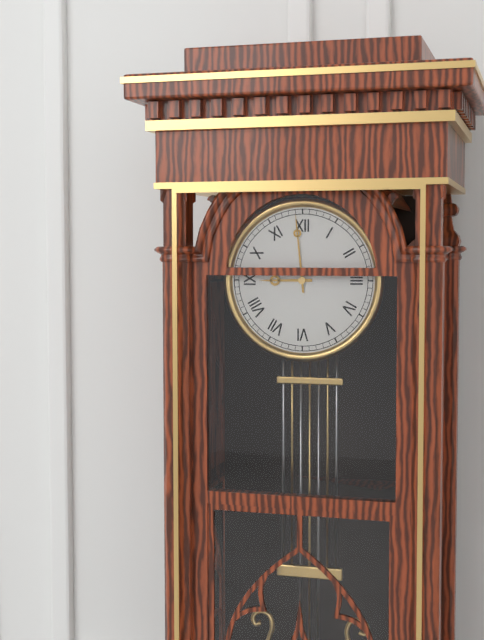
8:59
